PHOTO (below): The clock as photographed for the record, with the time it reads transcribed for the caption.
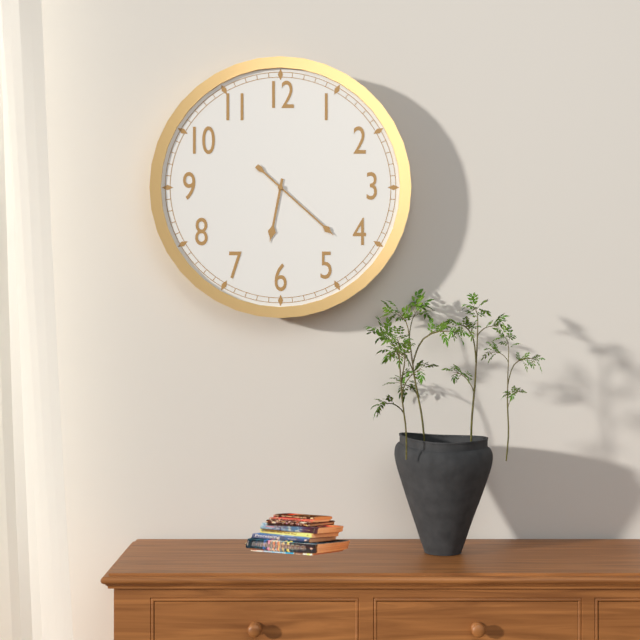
6:22
